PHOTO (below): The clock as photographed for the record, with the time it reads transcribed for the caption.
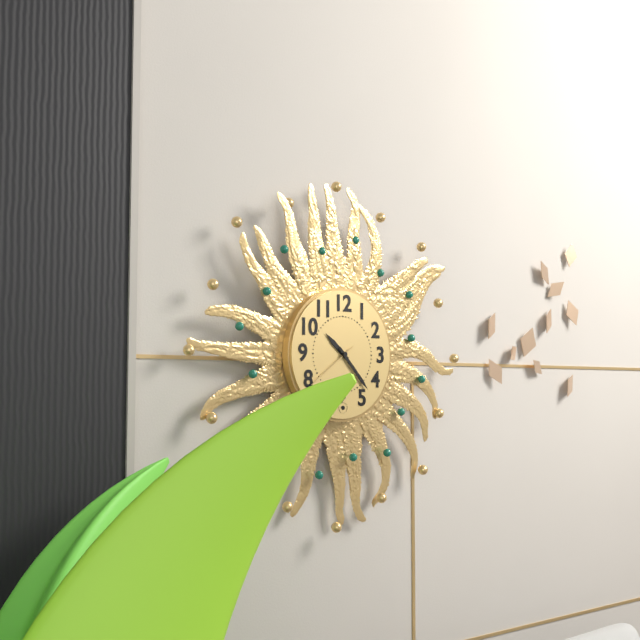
10:23:39
